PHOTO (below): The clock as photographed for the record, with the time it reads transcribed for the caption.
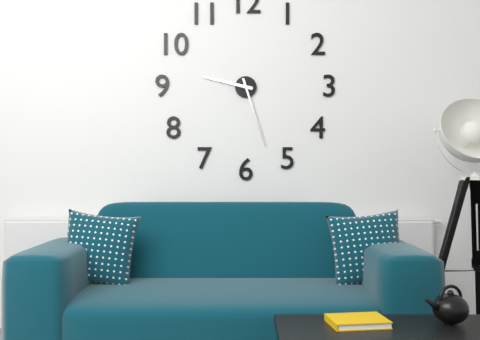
9:27
